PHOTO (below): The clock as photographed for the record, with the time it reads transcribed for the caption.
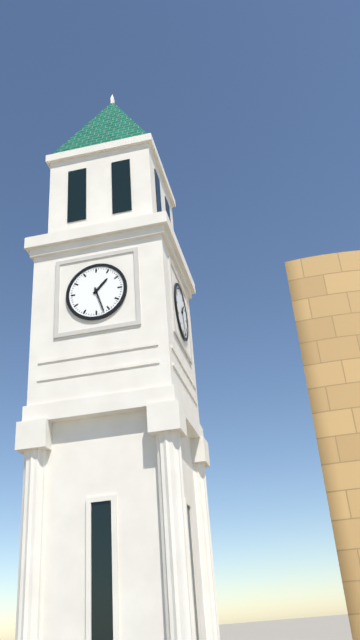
1:27
